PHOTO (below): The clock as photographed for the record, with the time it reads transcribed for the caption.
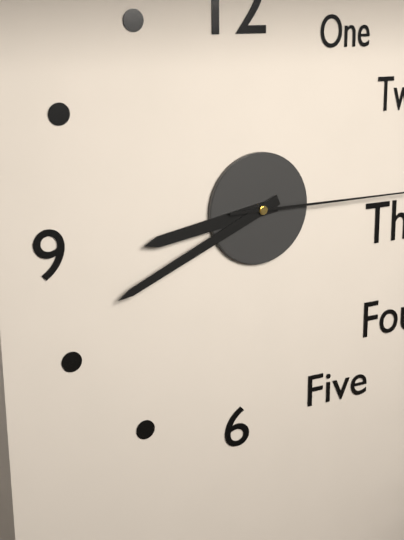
8:41
